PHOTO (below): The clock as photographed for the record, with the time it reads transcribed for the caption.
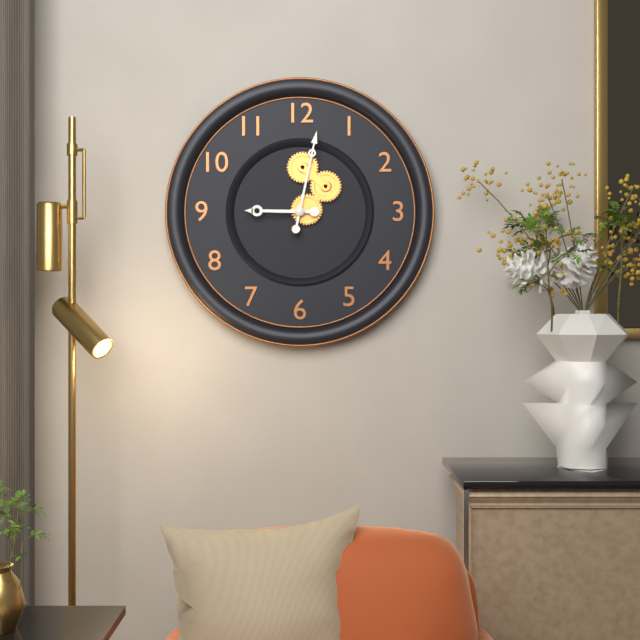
9:02
